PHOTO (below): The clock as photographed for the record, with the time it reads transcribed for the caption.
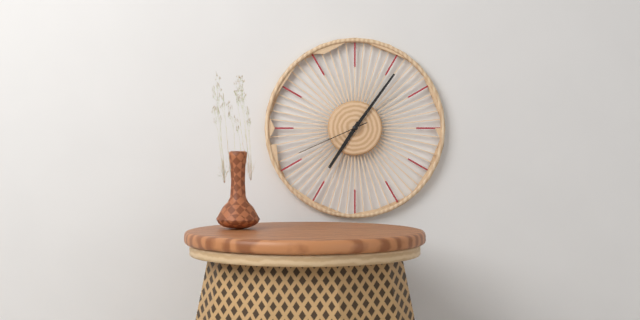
7:06:41
